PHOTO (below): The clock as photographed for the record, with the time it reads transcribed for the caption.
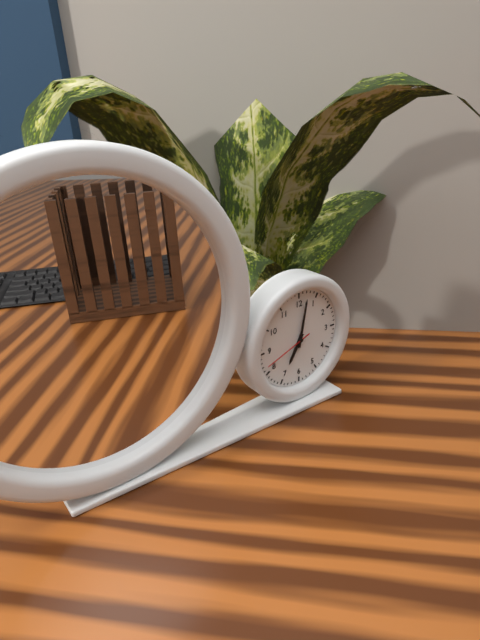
7:02
